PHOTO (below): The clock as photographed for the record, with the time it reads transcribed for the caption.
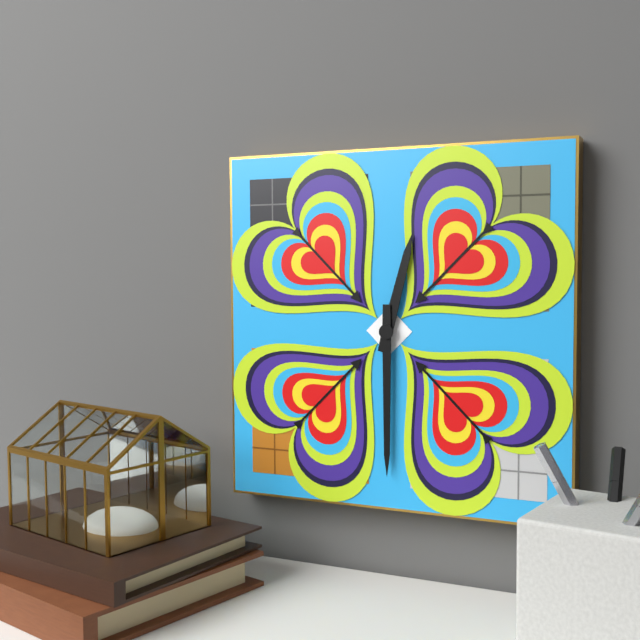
12:30
